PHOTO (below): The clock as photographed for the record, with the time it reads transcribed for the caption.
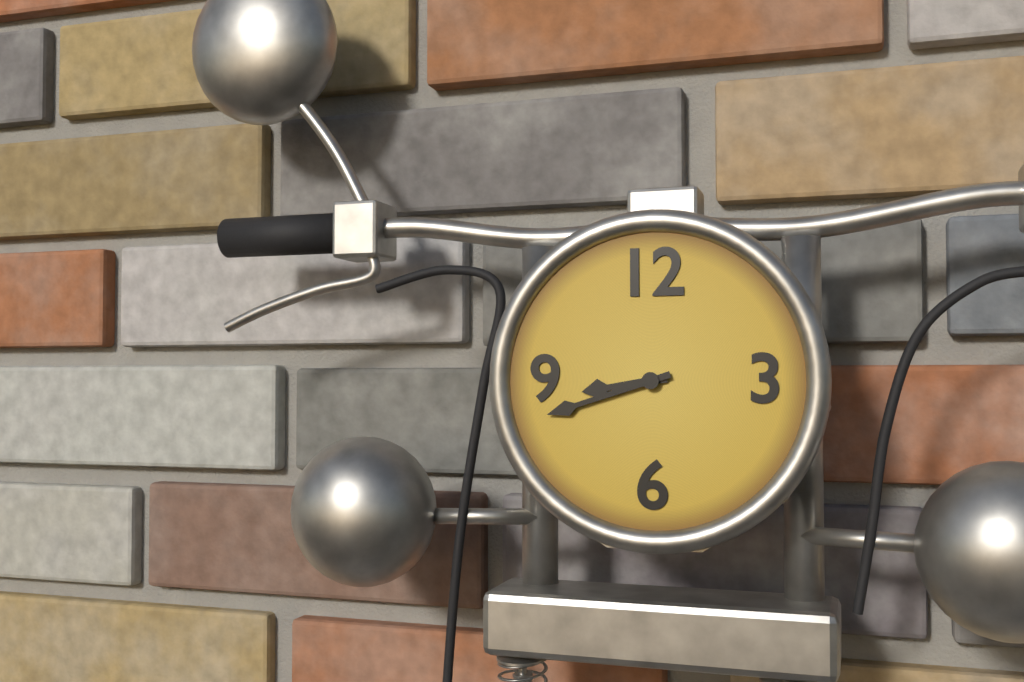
8:42
